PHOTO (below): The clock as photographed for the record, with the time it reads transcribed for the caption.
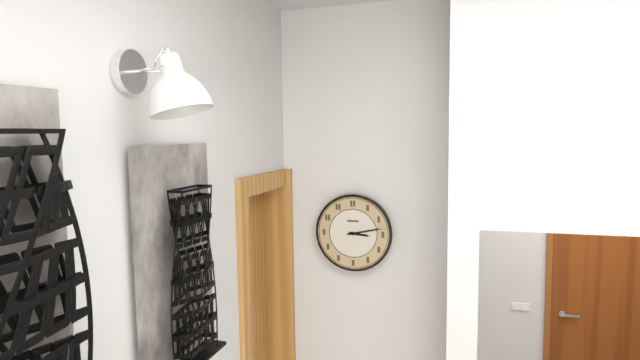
3:13
